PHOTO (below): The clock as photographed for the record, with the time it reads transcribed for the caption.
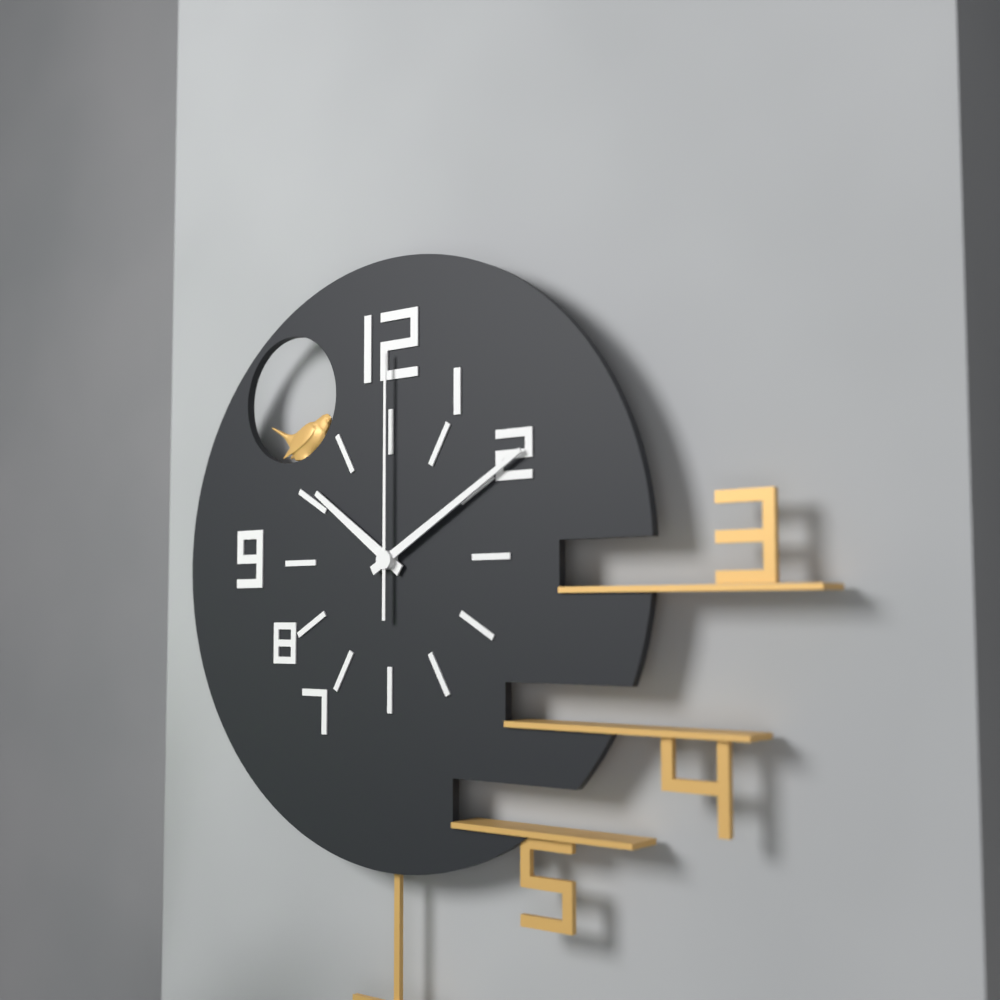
10:10:00
